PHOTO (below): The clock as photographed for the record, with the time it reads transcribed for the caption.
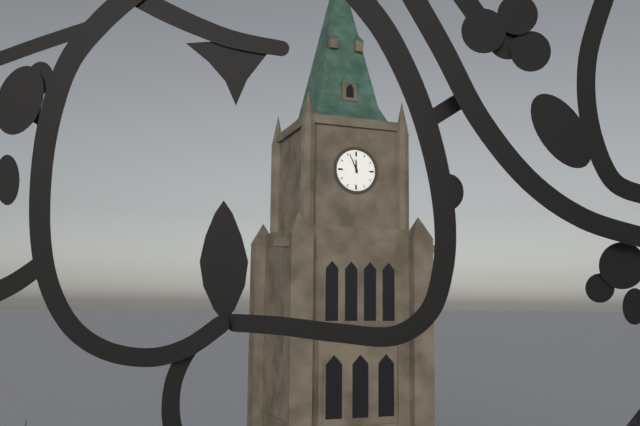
11:56
